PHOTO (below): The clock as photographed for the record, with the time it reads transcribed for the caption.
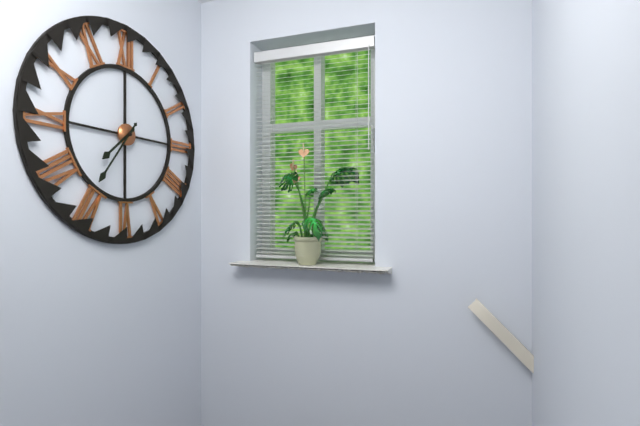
7:36
